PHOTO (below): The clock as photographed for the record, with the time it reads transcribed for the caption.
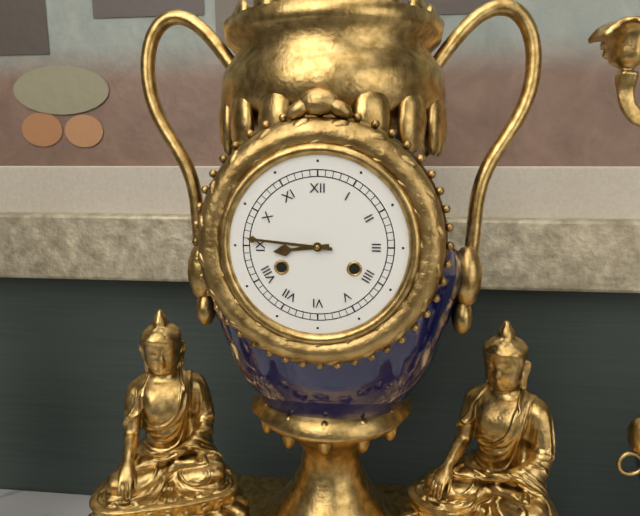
8:46
